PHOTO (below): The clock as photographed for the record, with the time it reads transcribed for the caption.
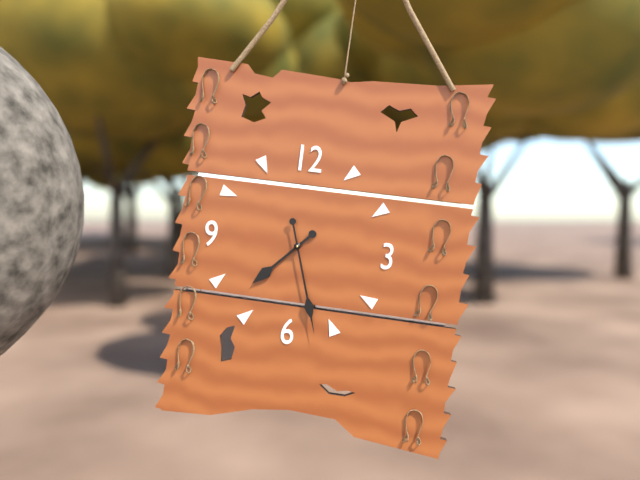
7:27
